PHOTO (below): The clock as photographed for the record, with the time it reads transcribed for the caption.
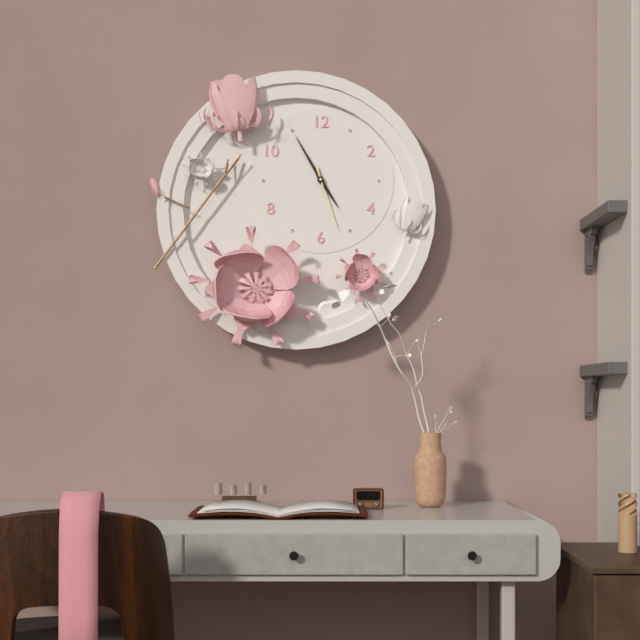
4:55:27
